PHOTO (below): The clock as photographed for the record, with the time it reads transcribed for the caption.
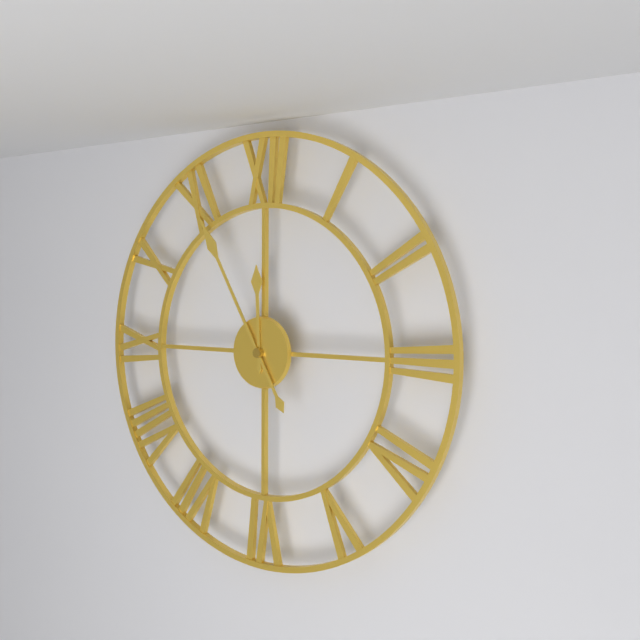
11:55
